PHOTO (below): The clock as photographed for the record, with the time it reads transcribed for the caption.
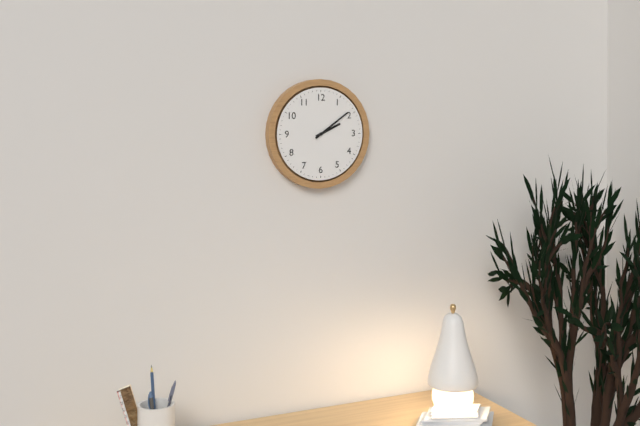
2:09
